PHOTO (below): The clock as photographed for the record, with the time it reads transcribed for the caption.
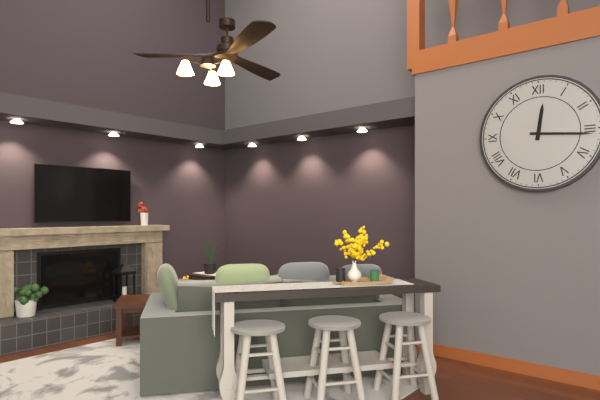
12:16
